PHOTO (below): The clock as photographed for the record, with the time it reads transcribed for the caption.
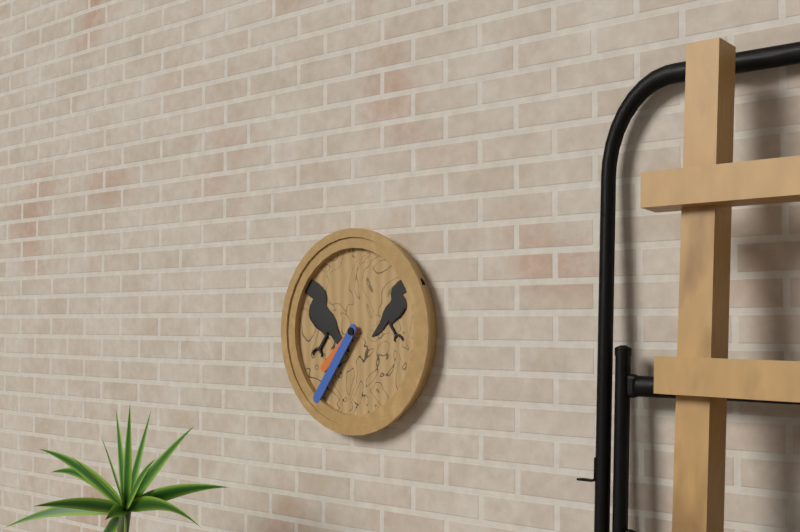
7:36
